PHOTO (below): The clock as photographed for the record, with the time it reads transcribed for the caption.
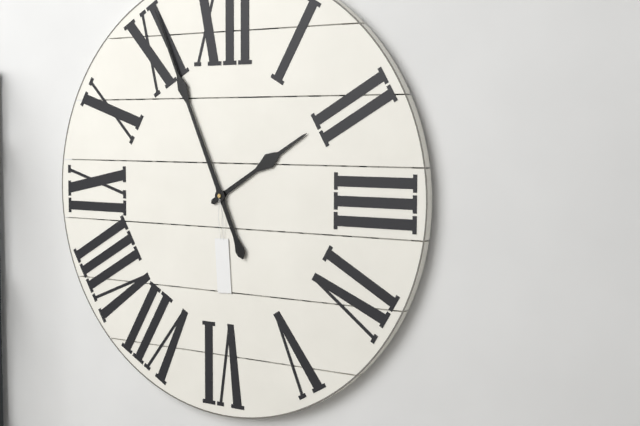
1:56
